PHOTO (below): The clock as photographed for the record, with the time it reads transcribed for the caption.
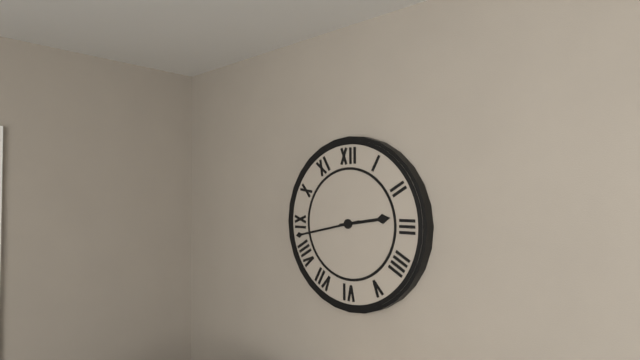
2:43
